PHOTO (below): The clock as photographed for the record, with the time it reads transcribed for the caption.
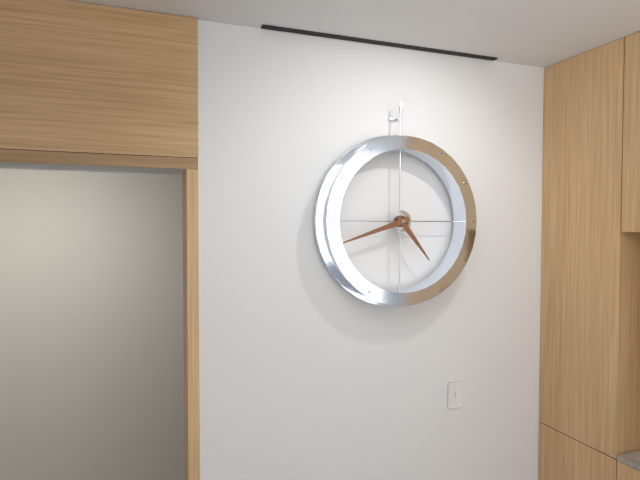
4:42
